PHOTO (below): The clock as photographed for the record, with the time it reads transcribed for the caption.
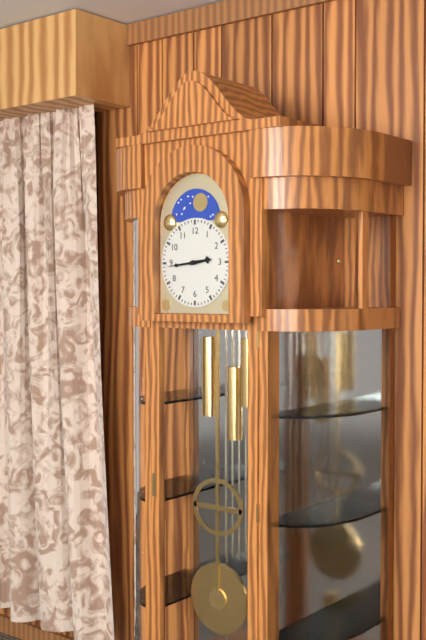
2:44
